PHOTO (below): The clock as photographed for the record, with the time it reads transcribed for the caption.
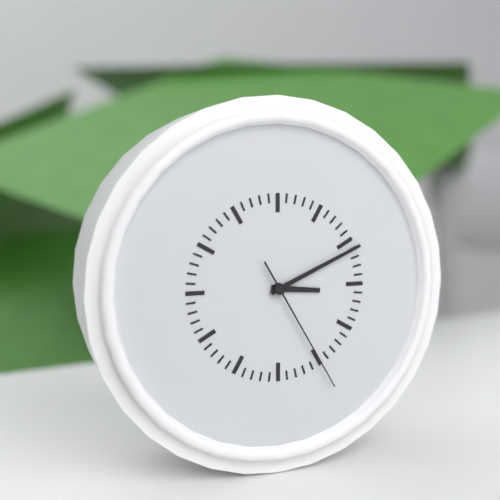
3:11:25
